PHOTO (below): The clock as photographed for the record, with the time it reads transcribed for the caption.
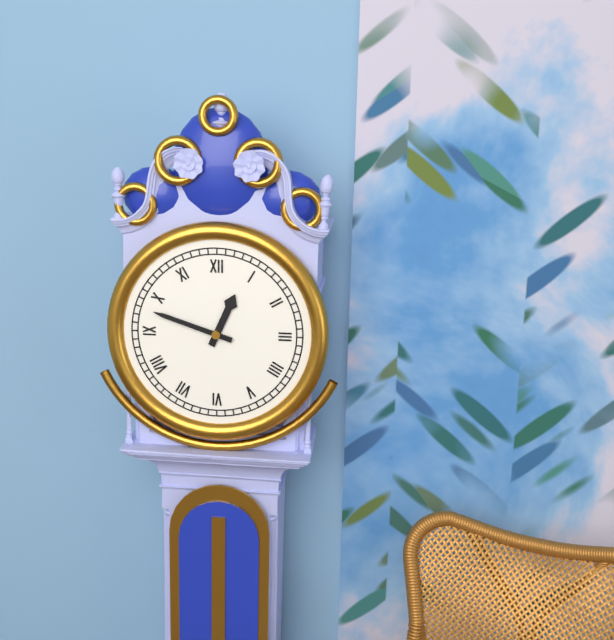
12:48
